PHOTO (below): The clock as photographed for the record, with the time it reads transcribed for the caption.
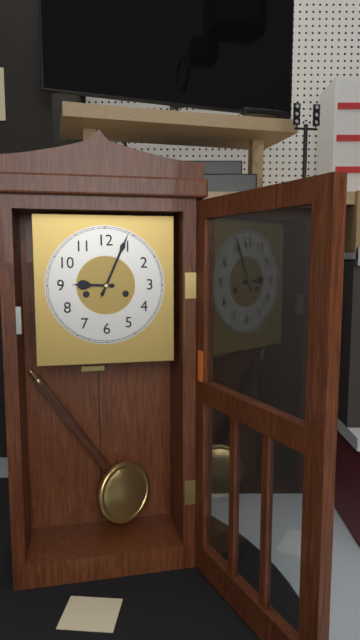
9:04
